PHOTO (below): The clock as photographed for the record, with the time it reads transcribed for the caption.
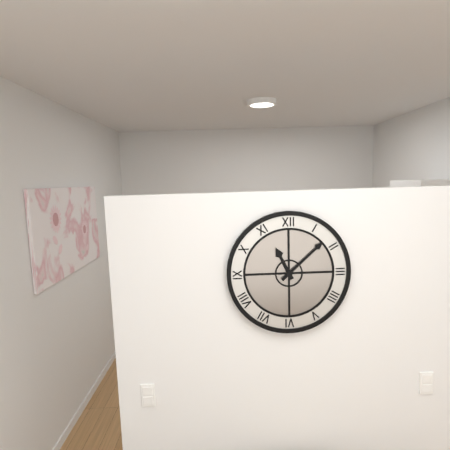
11:08
